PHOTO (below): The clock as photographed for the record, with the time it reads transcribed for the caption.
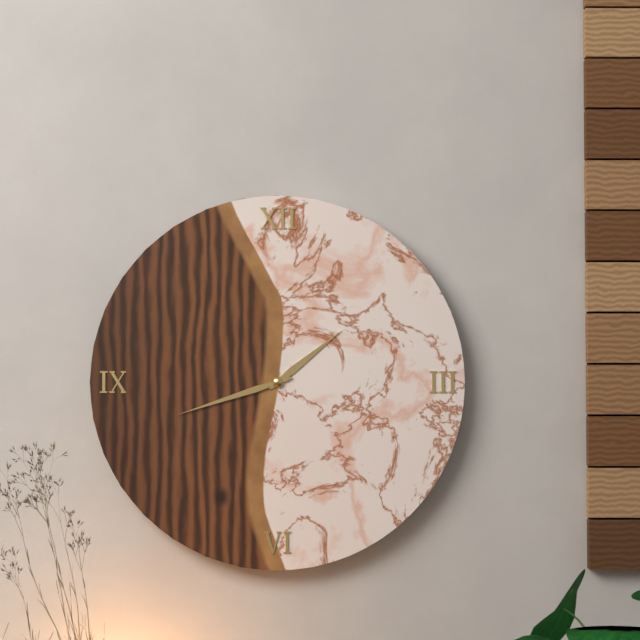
1:42
